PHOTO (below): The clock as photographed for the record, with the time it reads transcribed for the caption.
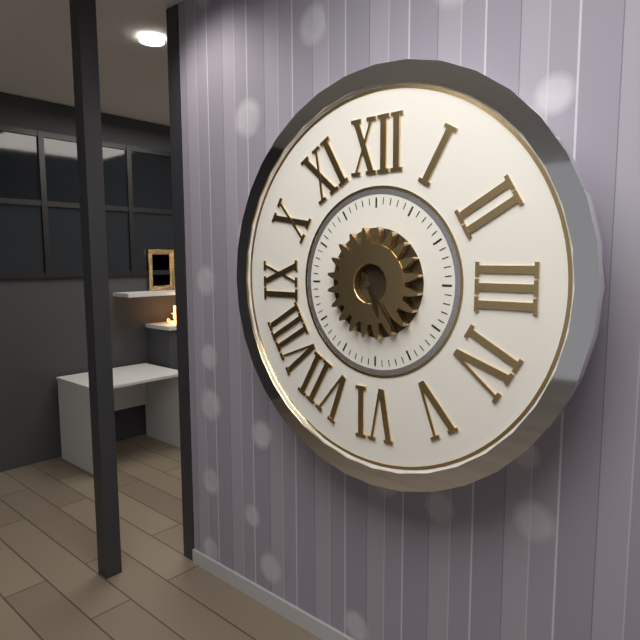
5:24
